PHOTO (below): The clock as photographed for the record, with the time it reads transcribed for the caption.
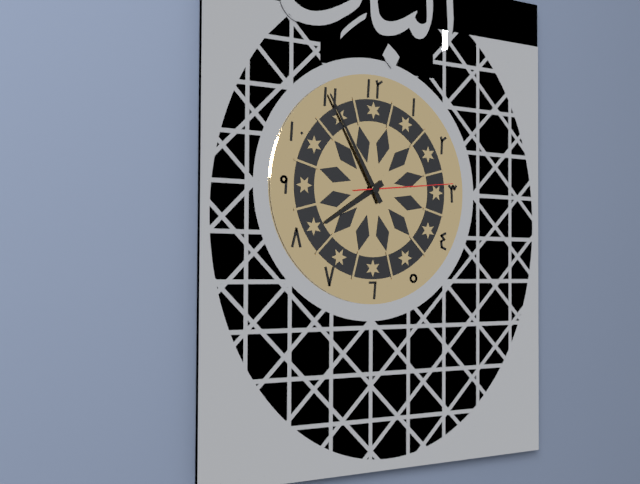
7:55:14
